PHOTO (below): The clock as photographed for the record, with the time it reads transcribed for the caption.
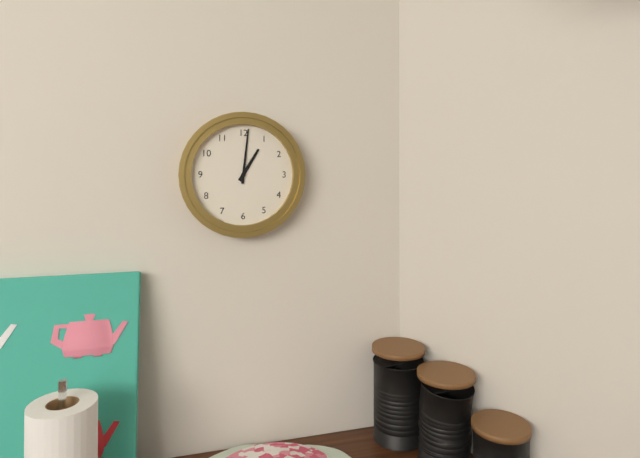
1:01
